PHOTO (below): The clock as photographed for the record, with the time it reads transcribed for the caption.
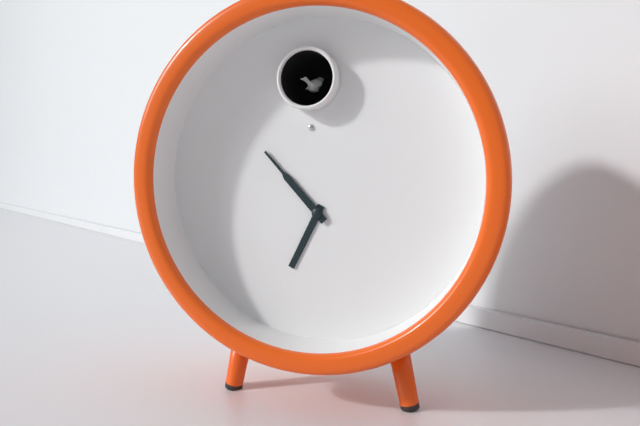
6:53
